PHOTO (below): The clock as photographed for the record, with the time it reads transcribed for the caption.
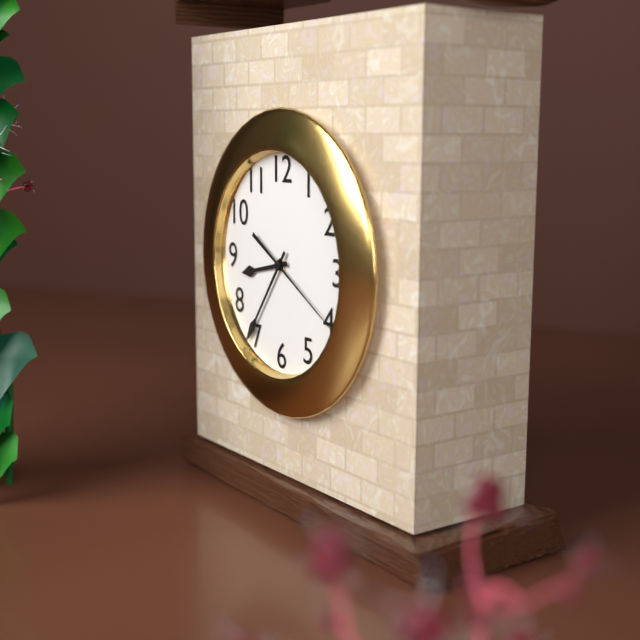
8:36:20
